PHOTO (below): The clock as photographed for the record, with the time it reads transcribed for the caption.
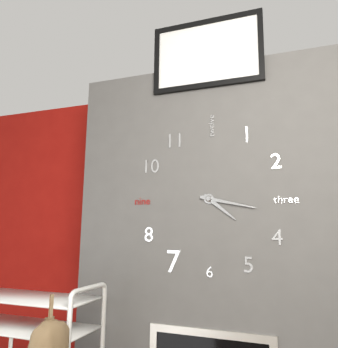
4:17
